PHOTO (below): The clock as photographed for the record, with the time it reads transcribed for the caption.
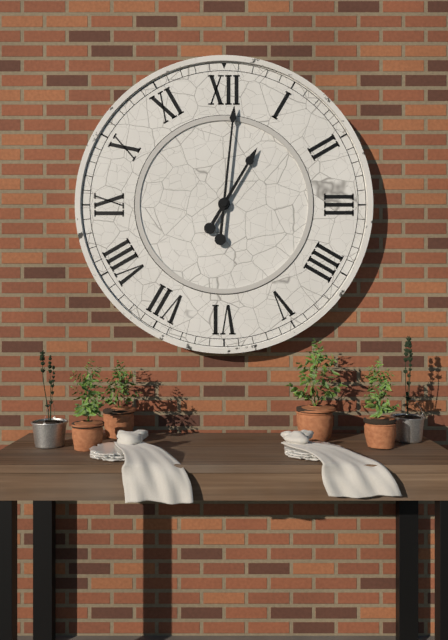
1:01
